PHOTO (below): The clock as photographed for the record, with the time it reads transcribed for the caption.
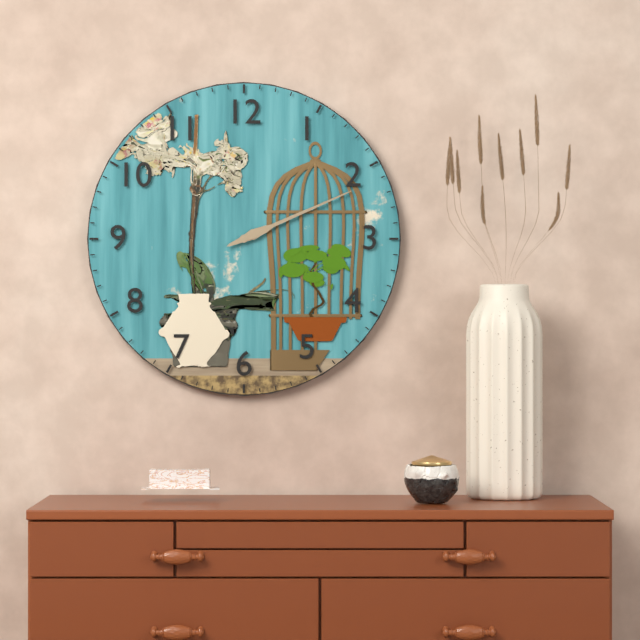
2:11
